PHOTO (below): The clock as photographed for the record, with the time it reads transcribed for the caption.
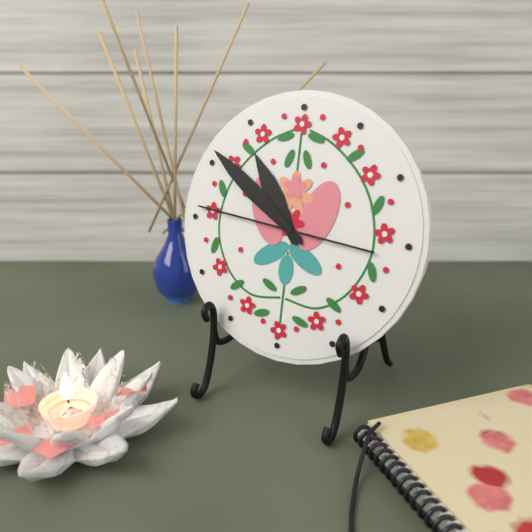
10:51:46
